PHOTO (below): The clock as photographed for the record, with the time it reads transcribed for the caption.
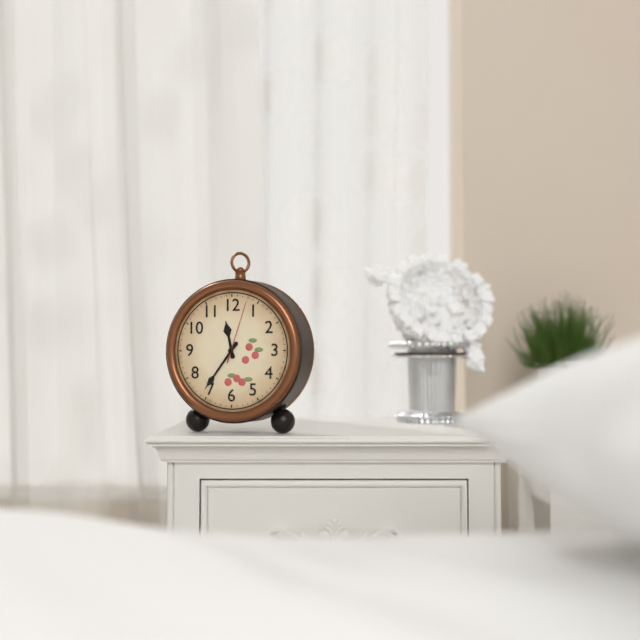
11:36:03
